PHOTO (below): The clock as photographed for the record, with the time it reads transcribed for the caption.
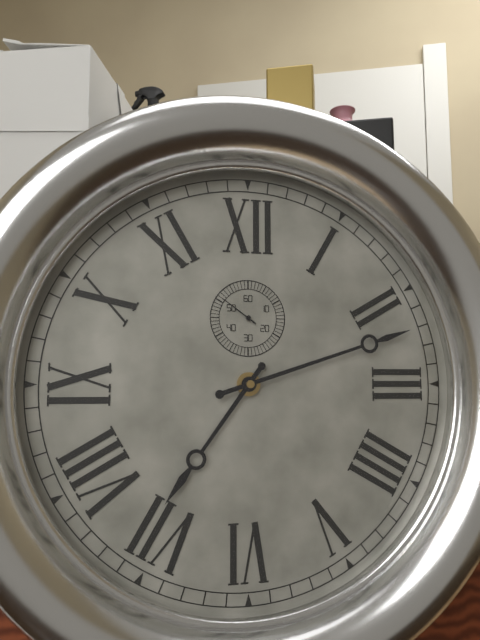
7:12
